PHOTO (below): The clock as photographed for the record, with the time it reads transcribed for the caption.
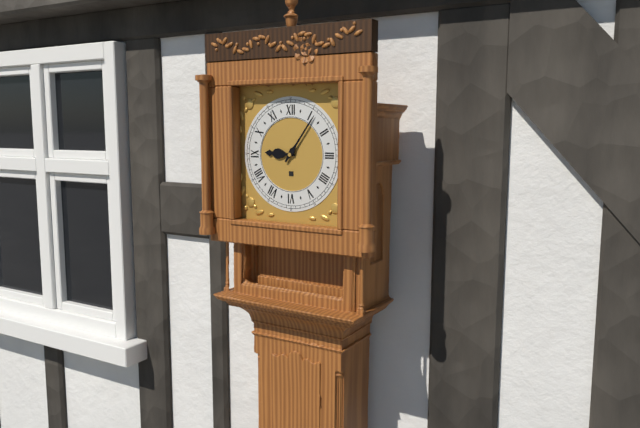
9:06
